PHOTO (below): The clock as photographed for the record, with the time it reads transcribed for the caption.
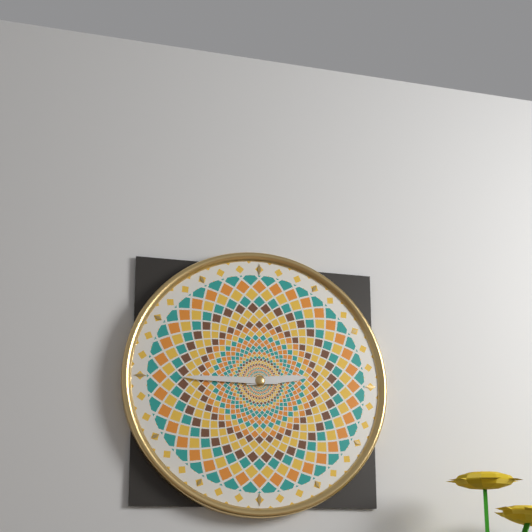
2:45
